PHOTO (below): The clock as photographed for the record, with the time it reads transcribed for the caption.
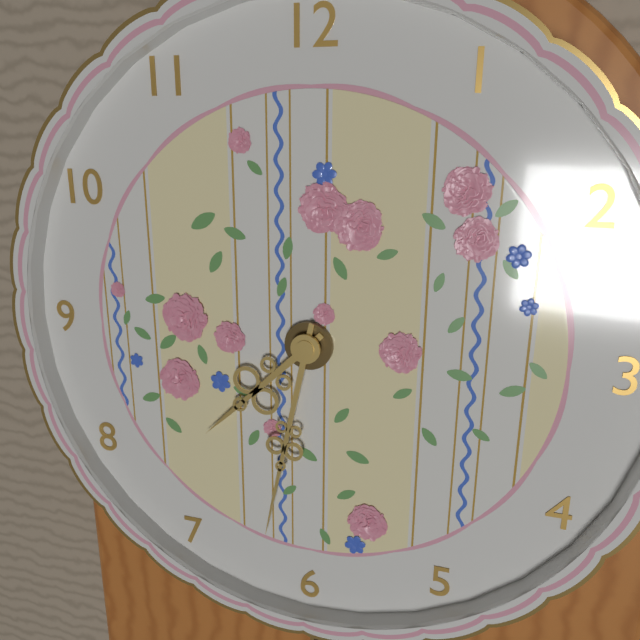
7:32
